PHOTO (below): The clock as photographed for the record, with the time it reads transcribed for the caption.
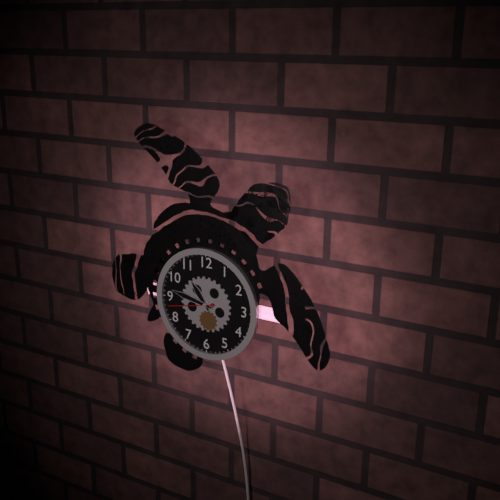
10:47:43
